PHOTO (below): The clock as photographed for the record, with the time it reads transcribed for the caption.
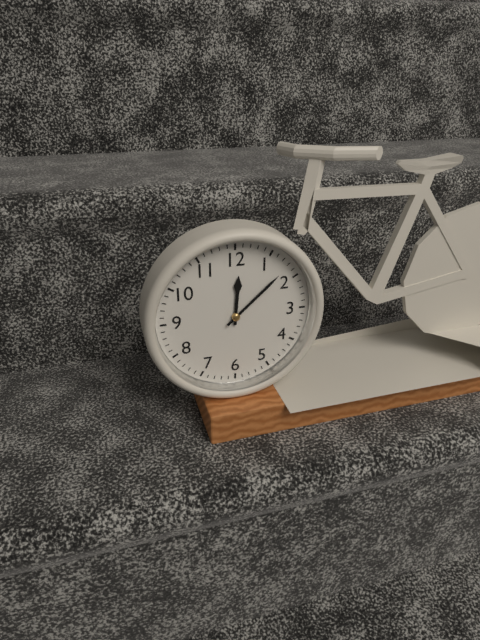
12:08
